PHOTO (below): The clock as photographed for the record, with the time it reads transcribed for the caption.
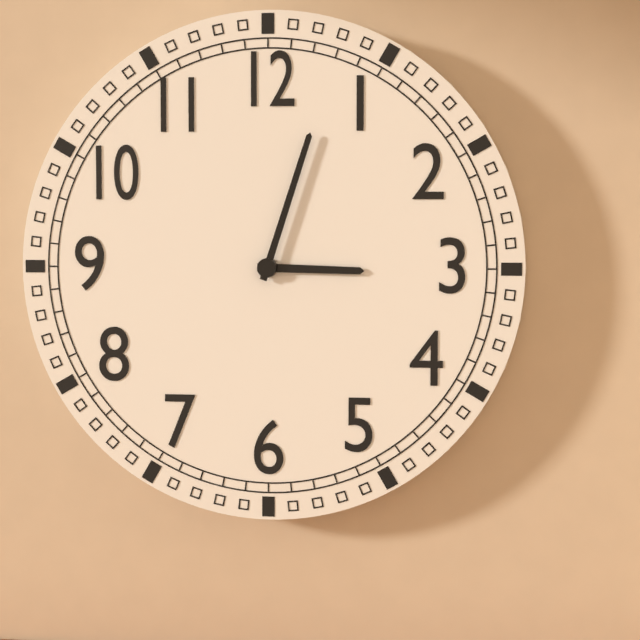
3:03
